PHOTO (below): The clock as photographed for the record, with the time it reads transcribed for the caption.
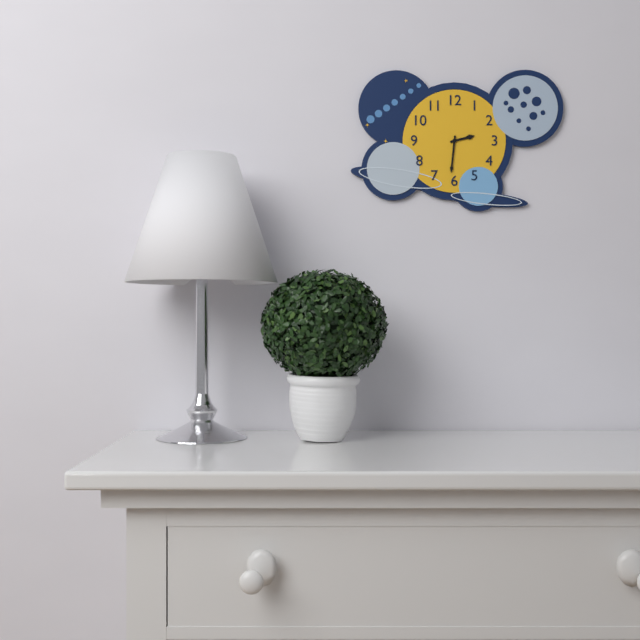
2:31
